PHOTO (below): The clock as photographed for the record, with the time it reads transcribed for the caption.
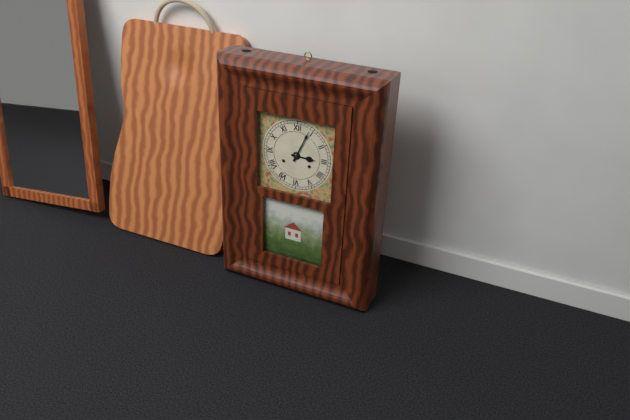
3:04
